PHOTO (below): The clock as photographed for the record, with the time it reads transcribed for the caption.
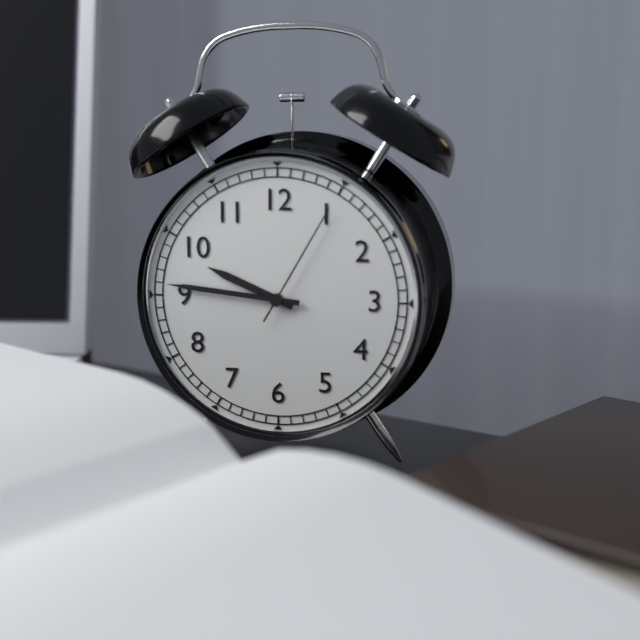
9:46:05
